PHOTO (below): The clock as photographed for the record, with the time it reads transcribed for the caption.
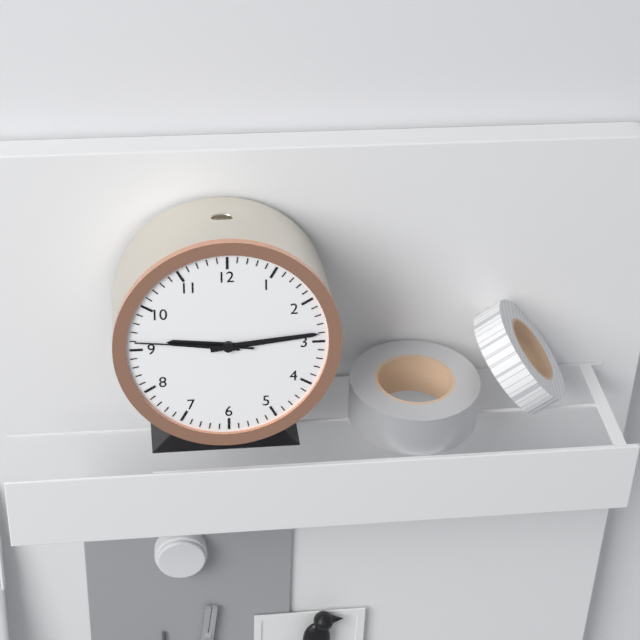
9:14:46
